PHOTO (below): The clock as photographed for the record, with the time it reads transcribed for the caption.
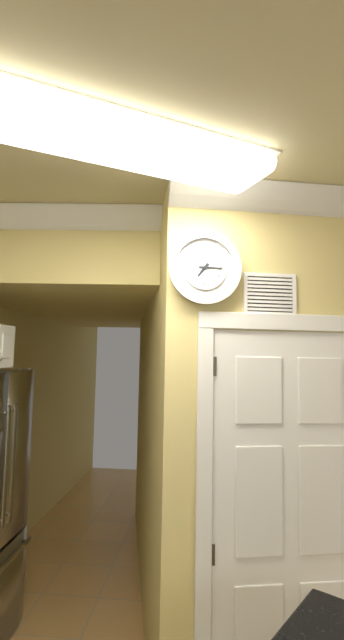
7:15
